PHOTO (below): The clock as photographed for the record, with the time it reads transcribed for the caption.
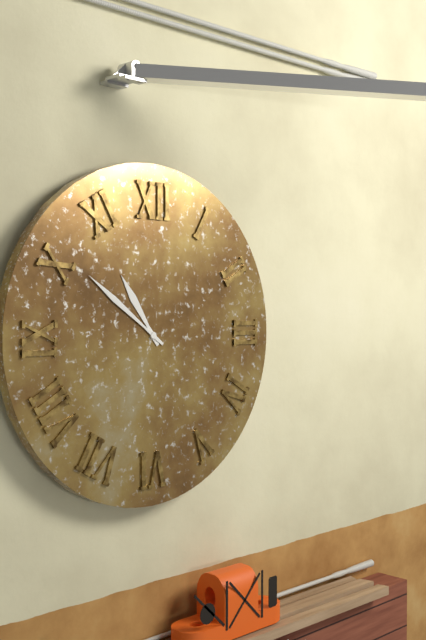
10:51
